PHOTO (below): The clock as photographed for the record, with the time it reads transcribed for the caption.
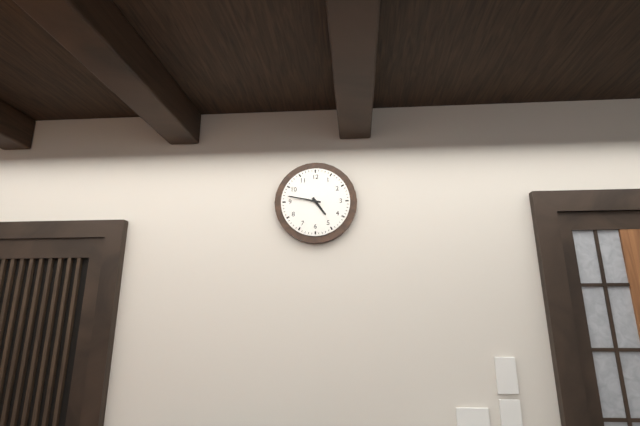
4:47
